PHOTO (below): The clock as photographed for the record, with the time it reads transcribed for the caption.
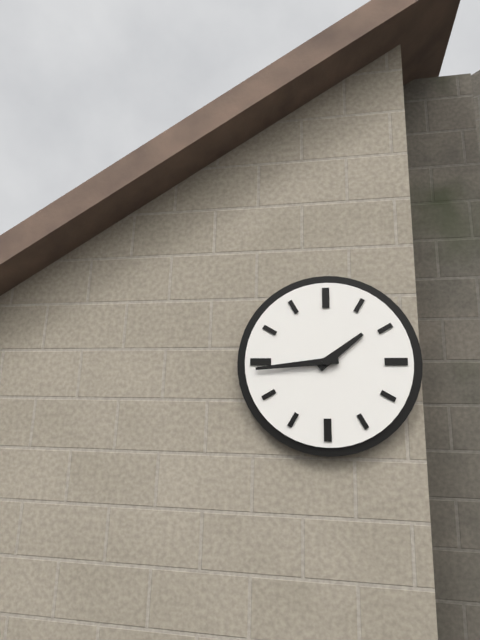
1:44
